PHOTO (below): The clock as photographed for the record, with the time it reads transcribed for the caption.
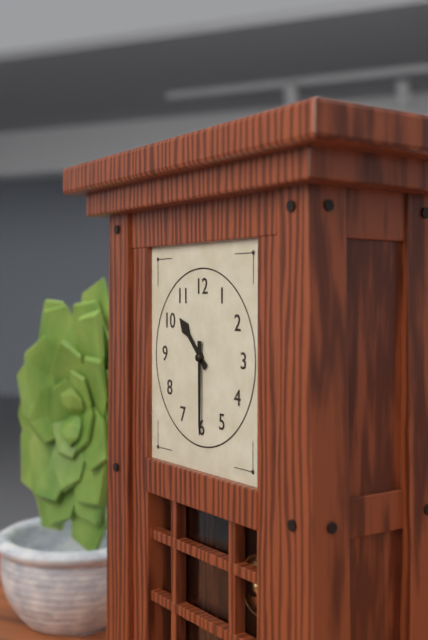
10:30
